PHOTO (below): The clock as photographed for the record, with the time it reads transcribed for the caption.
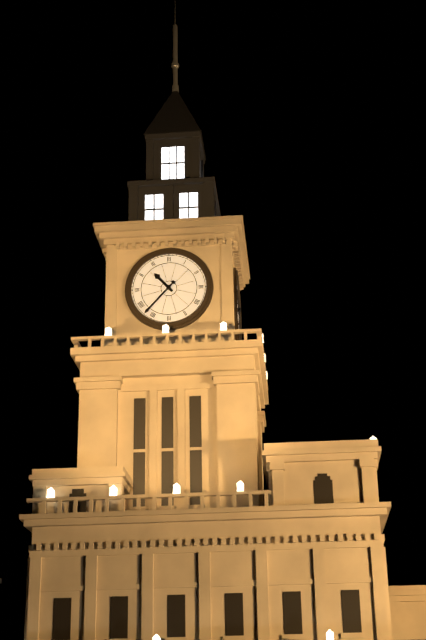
10:37
